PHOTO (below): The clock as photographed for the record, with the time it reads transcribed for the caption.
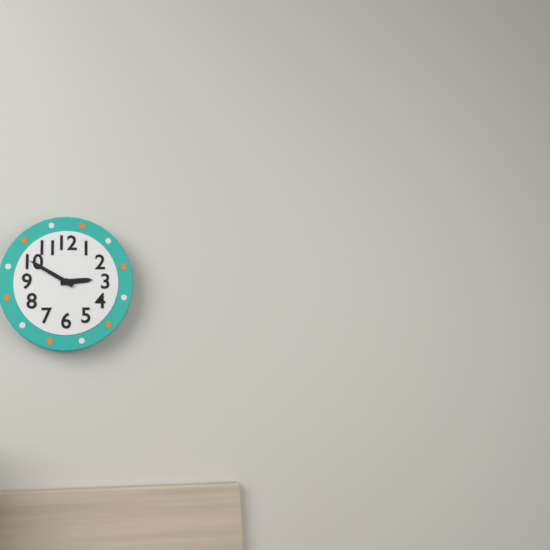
2:50
